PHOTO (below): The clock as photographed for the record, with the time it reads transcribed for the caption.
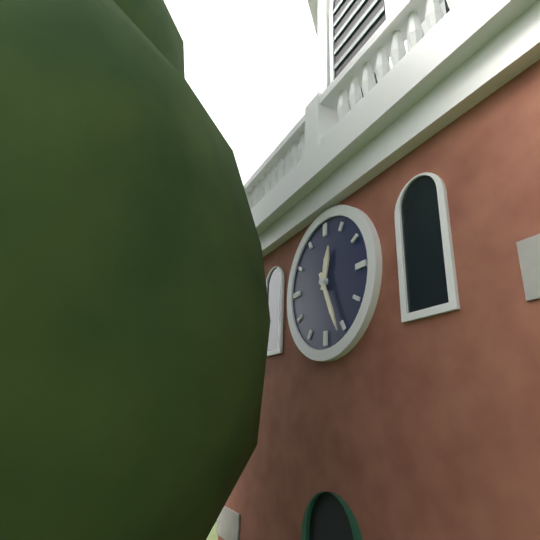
12:26
